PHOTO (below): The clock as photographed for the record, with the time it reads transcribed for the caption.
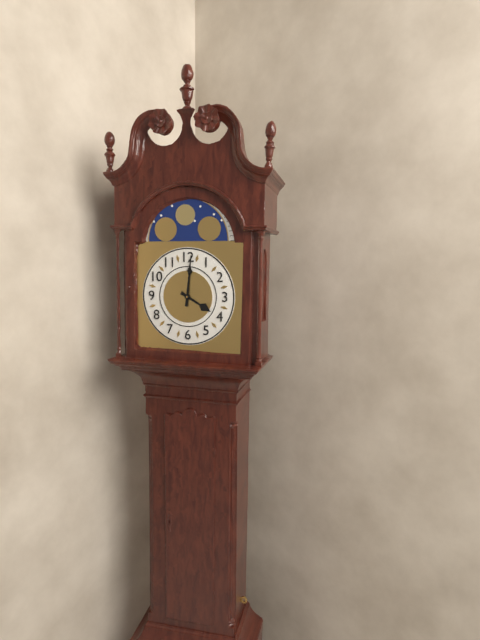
4:01
